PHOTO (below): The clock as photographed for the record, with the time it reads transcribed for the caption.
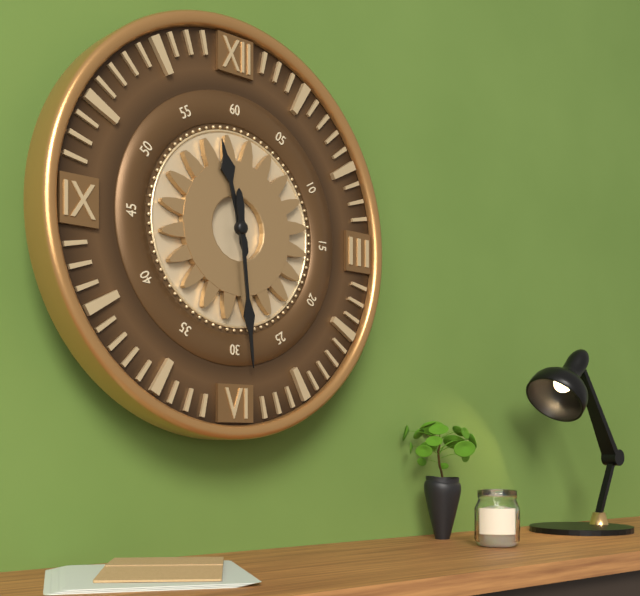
11:29
